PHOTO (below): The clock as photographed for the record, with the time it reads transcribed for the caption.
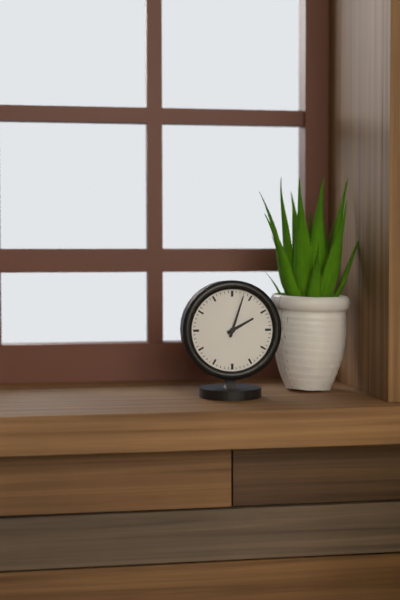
2:03
